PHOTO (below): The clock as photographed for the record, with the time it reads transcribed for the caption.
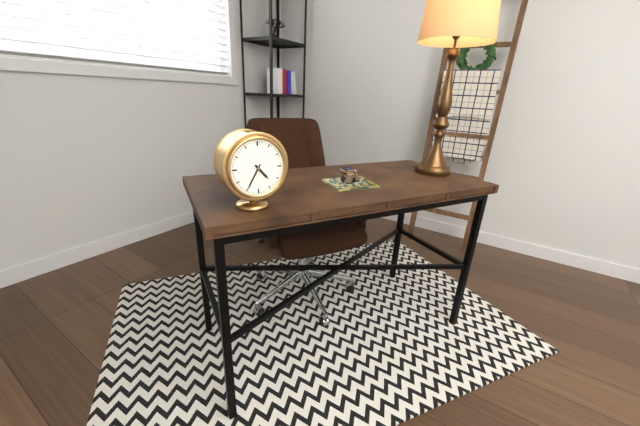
4:35
